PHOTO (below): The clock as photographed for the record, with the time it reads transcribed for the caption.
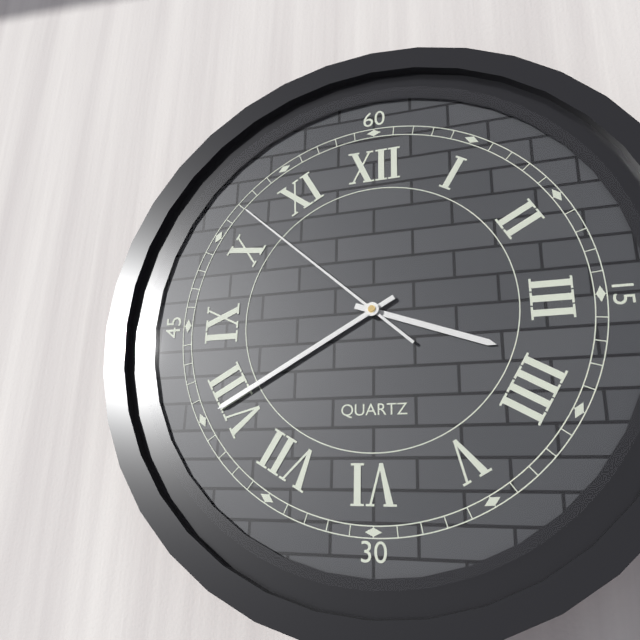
3:40:52
